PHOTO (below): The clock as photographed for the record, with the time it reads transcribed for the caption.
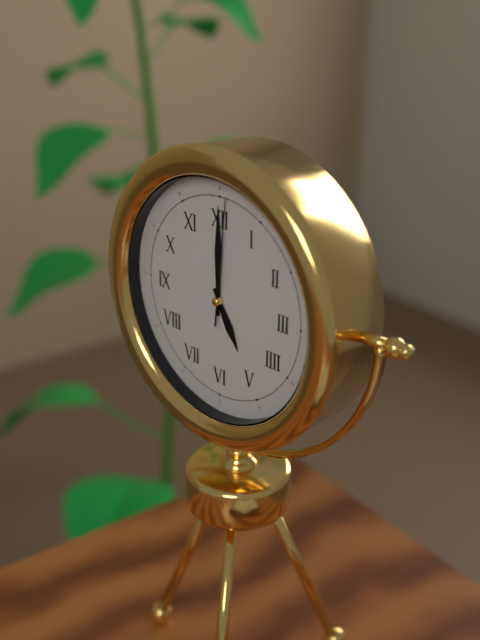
5:00:01
